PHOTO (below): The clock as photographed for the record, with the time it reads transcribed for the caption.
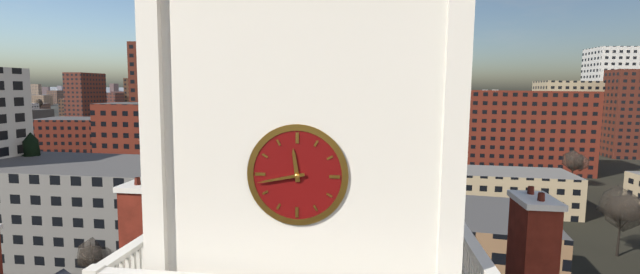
11:43
